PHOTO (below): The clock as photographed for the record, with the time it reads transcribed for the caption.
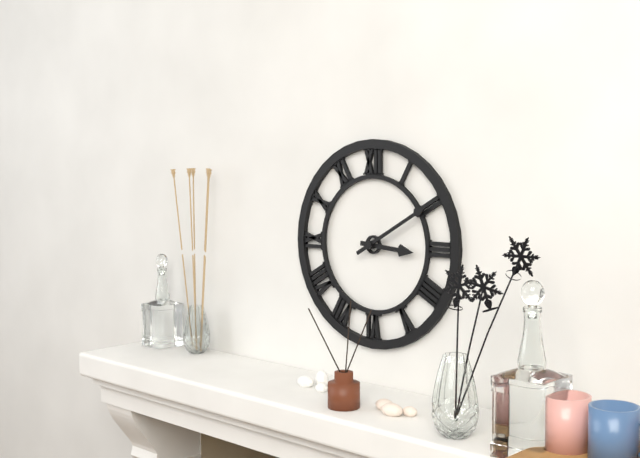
3:10
